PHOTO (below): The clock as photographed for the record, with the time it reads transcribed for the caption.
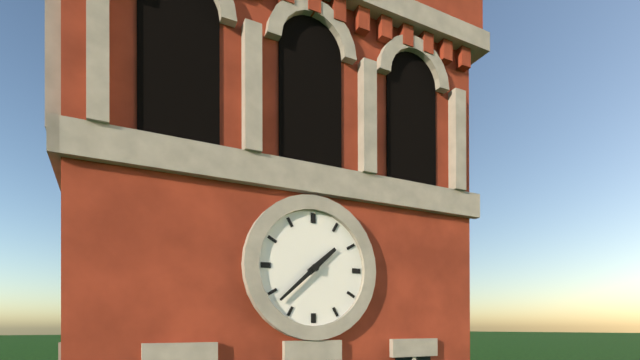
1:38
